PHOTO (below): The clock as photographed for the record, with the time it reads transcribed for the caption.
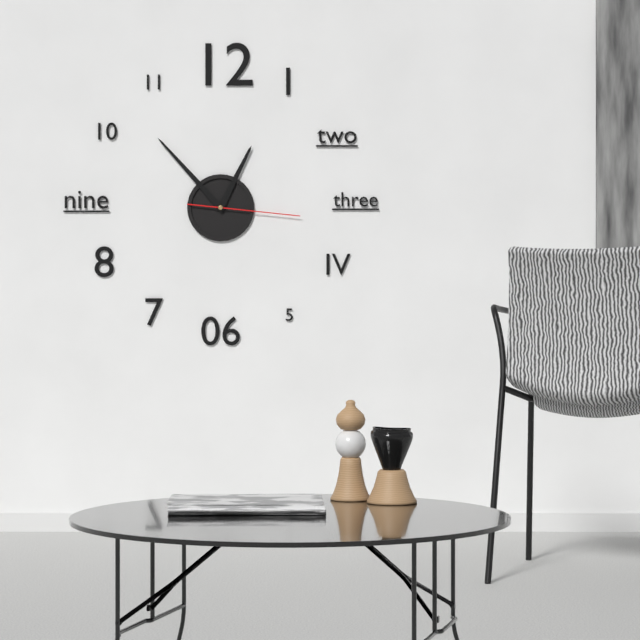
12:53:16
